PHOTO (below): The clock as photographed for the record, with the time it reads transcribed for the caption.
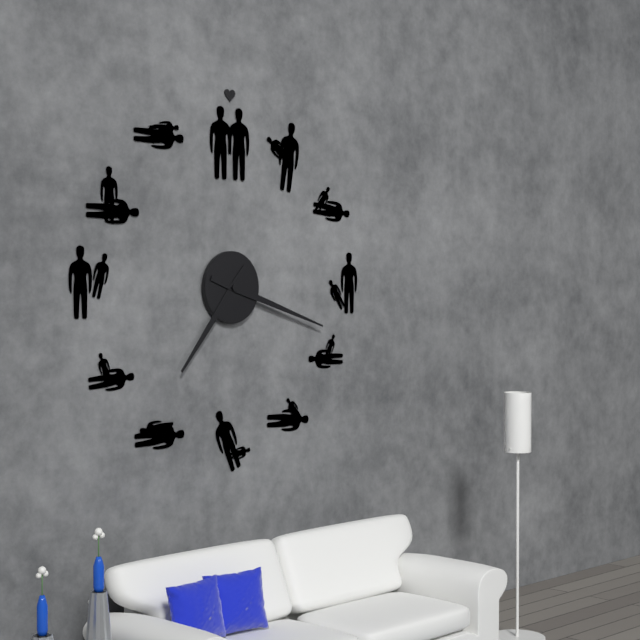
7:18
